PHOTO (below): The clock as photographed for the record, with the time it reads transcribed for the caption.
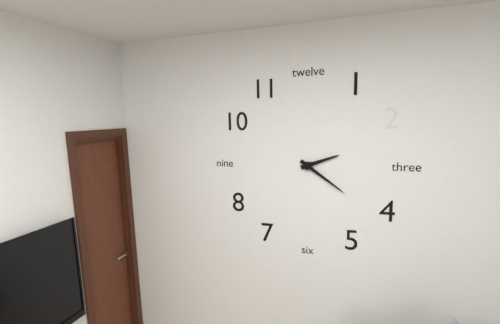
2:21
